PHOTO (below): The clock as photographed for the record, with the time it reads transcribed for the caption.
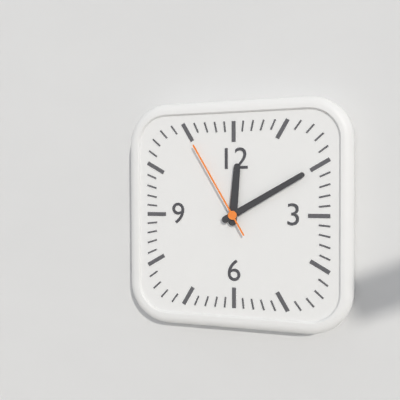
12:10:55
